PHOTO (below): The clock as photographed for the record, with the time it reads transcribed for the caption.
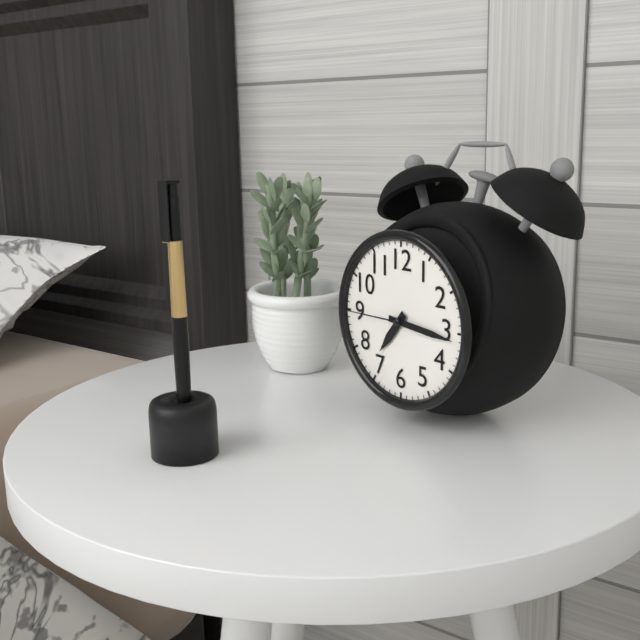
7:16:45
